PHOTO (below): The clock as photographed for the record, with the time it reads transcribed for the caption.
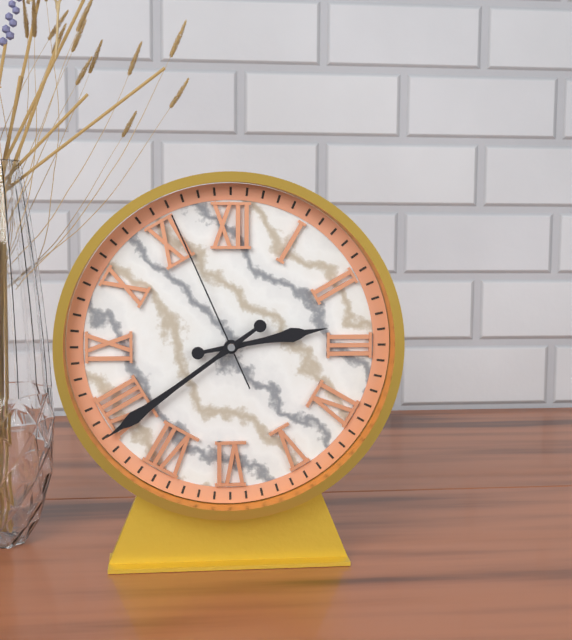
2:39:56
